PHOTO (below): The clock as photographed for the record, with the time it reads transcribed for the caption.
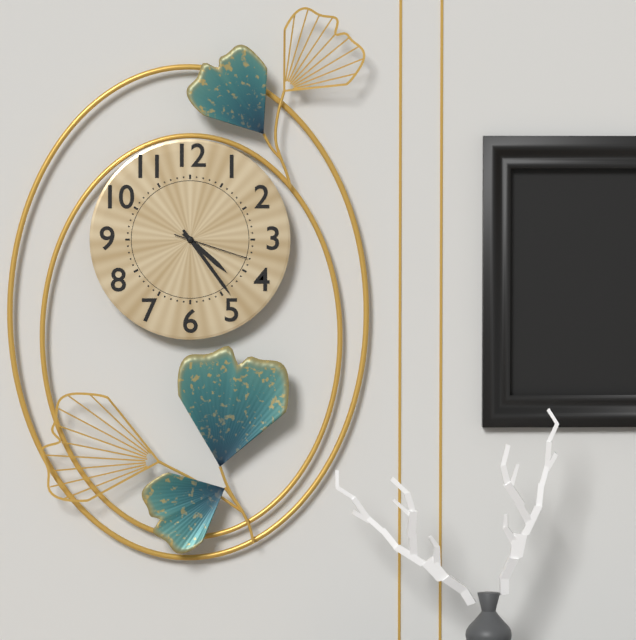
4:24:18
